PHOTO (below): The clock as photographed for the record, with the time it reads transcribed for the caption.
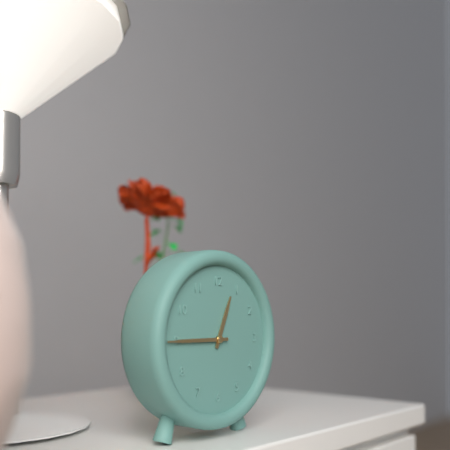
12:45
